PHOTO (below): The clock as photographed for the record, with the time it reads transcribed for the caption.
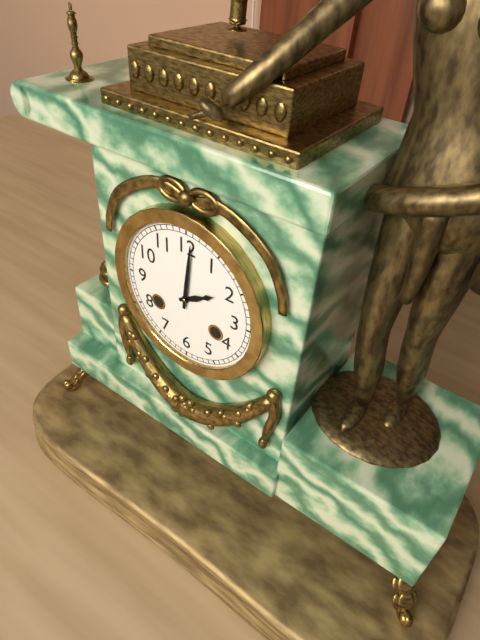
2:01
